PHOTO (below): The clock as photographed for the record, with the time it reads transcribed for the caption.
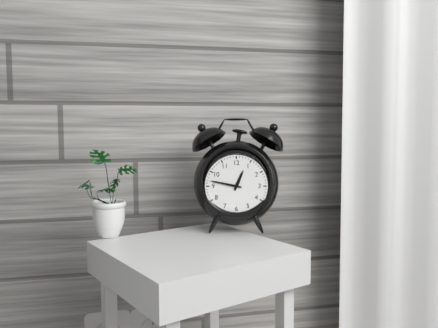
12:47
